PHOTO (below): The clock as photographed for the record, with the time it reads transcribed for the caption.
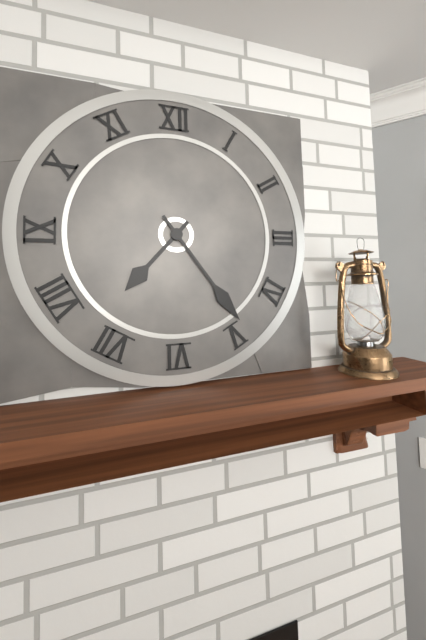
7:24
